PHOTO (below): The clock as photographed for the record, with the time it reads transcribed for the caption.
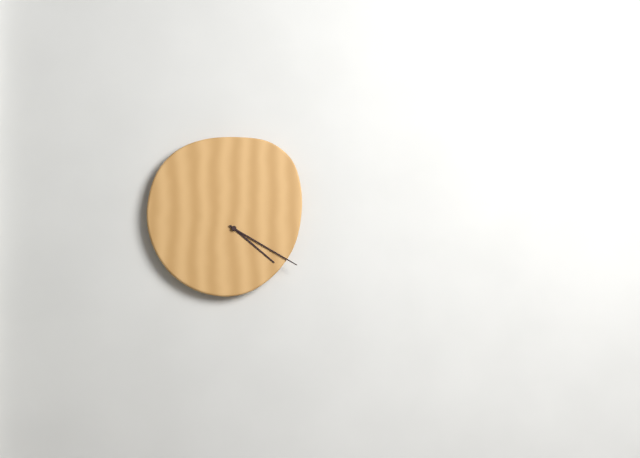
4:20
